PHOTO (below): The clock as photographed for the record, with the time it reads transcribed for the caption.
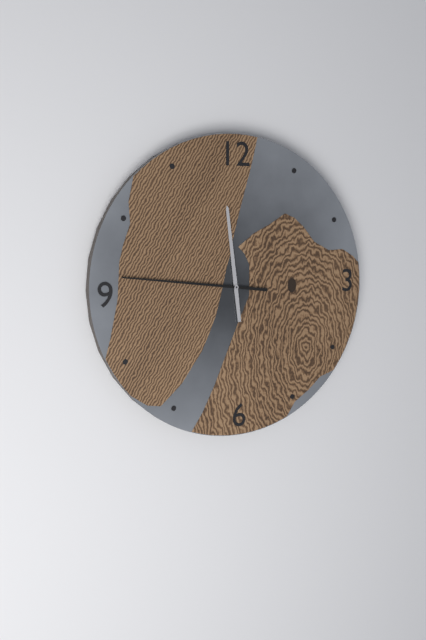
11:46
